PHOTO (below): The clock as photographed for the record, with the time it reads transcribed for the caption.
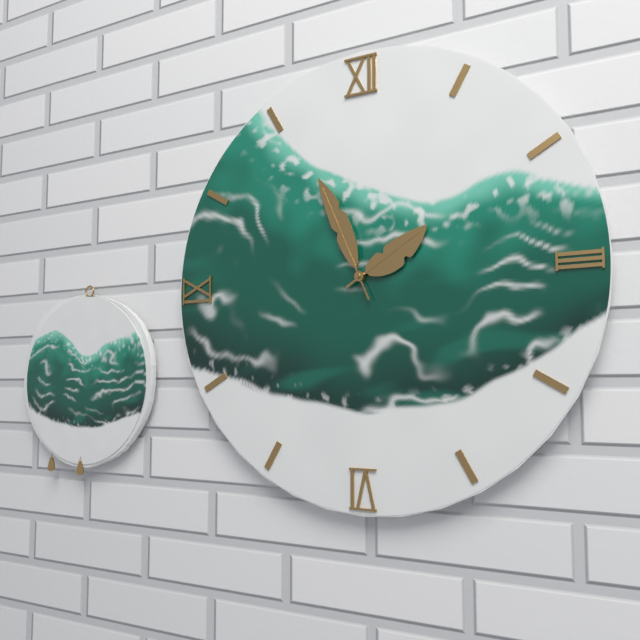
1:56
